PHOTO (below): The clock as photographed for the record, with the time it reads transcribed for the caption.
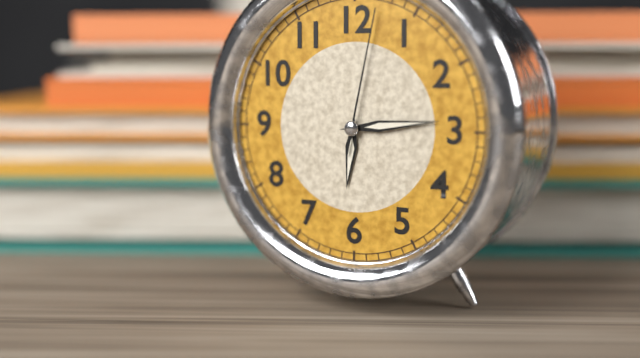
6:14:02
